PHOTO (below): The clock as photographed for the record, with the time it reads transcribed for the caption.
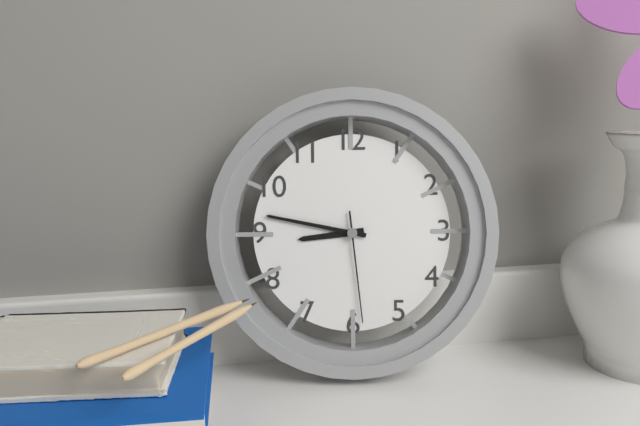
8:47:29
